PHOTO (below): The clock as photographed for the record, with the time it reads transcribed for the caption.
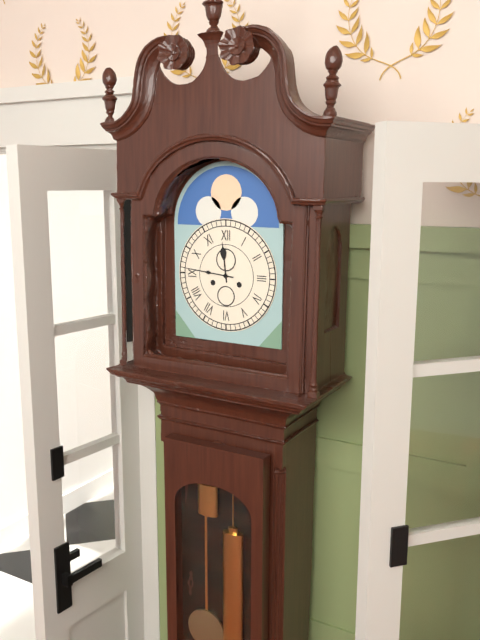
11:46
